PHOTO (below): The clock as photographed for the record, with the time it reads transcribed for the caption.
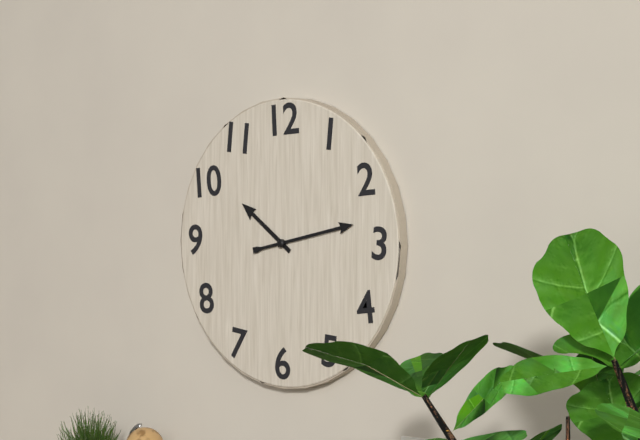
10:13
